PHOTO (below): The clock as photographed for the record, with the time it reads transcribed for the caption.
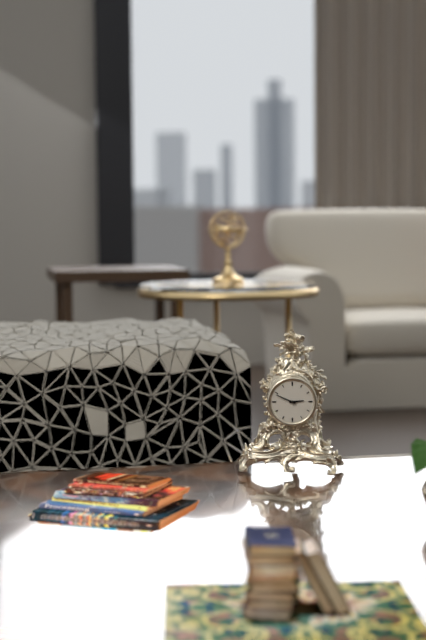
2:49
